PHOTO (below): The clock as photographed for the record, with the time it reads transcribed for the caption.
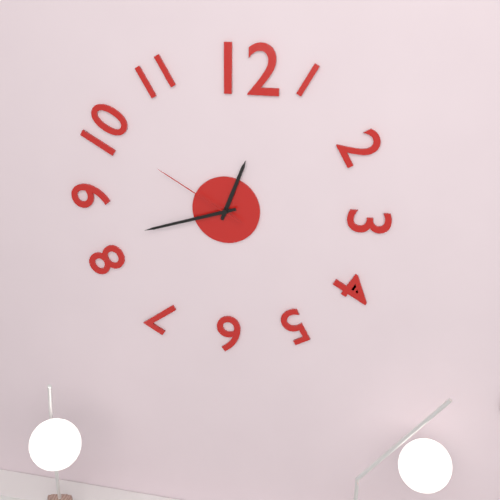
12:42:50
